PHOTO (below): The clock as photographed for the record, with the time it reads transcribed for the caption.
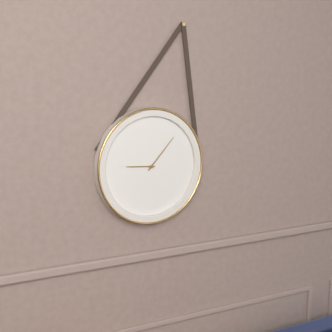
9:07
